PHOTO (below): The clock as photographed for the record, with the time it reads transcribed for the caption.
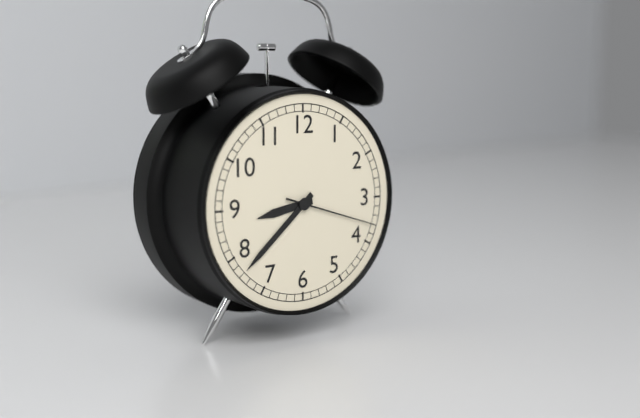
8:38:18
